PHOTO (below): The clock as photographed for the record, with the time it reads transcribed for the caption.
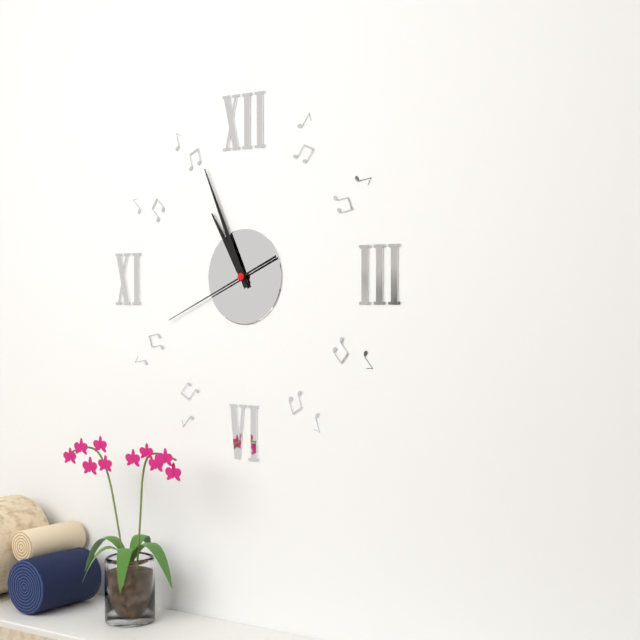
10:56:41
